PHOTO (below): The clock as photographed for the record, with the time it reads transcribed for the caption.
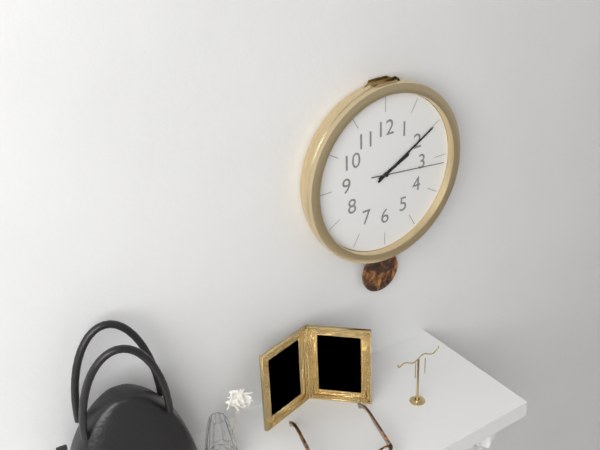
2:10:16
